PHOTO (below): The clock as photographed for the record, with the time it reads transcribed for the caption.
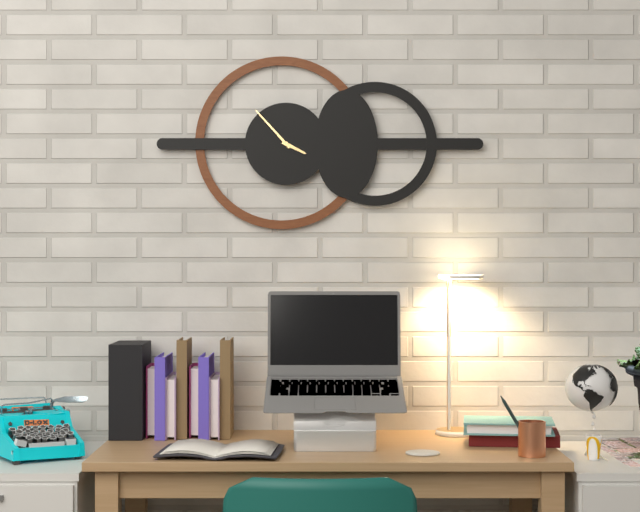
3:53
